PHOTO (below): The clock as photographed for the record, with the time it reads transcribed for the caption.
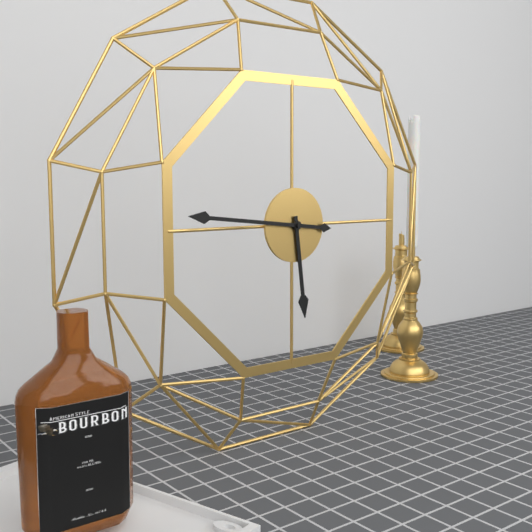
5:46
